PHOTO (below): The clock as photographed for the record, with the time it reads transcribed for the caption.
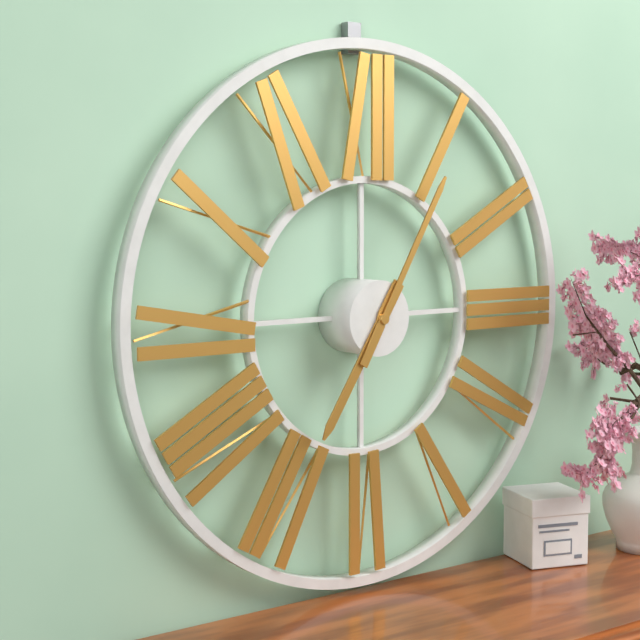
7:05
